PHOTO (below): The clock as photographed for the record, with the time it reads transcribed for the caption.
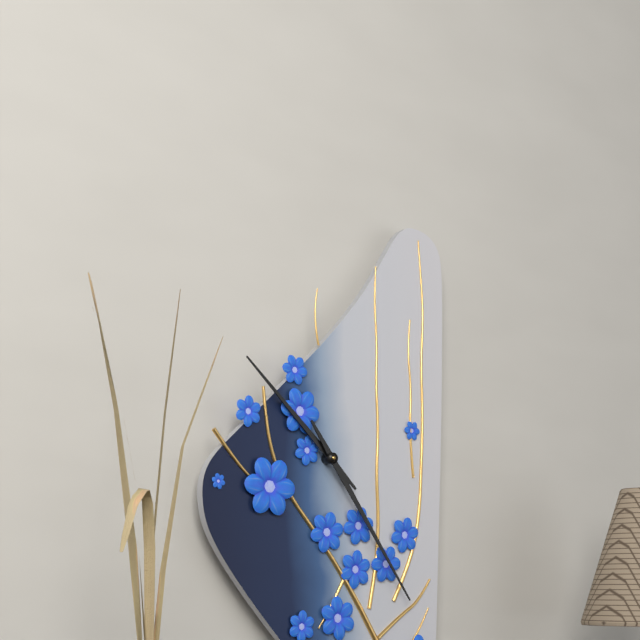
10:24
